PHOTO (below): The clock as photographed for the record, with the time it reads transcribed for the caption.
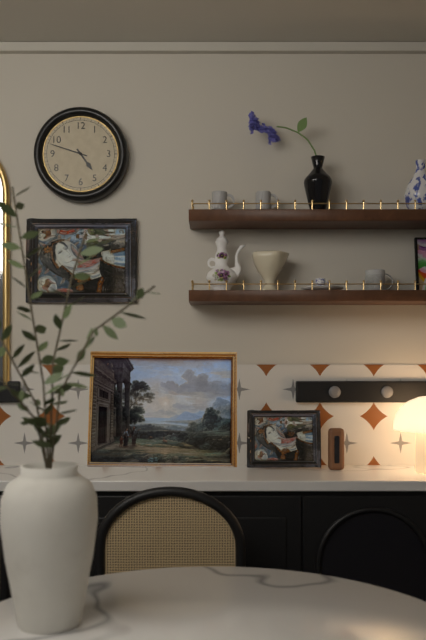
4:48
